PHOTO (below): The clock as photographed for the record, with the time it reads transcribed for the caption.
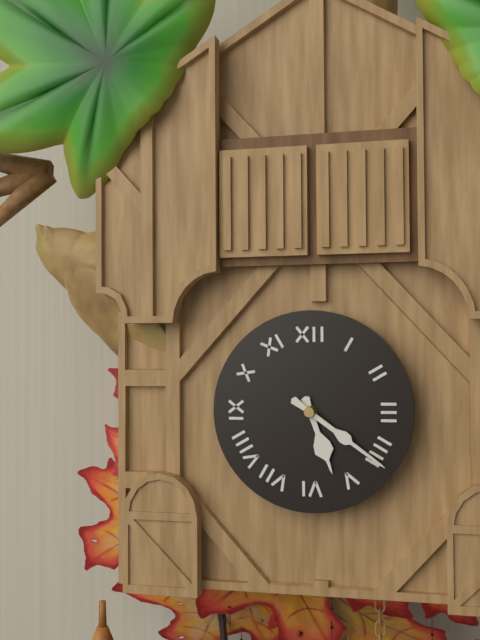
5:21
